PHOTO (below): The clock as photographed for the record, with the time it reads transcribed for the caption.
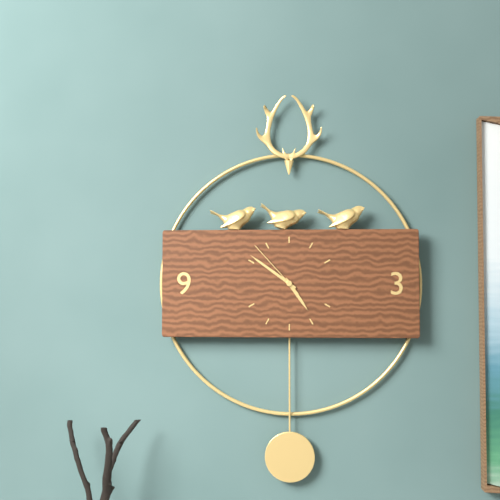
4:51:53
